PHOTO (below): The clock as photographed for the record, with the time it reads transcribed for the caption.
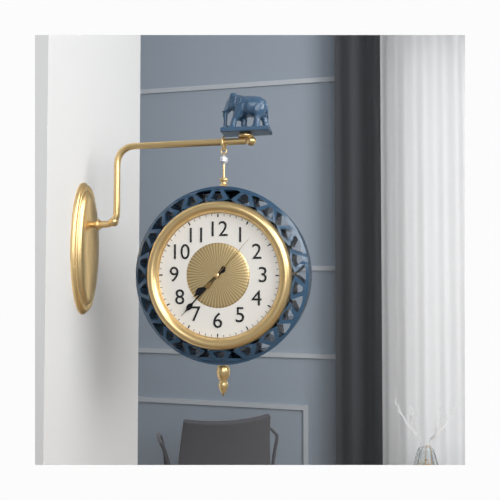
7:37:07
